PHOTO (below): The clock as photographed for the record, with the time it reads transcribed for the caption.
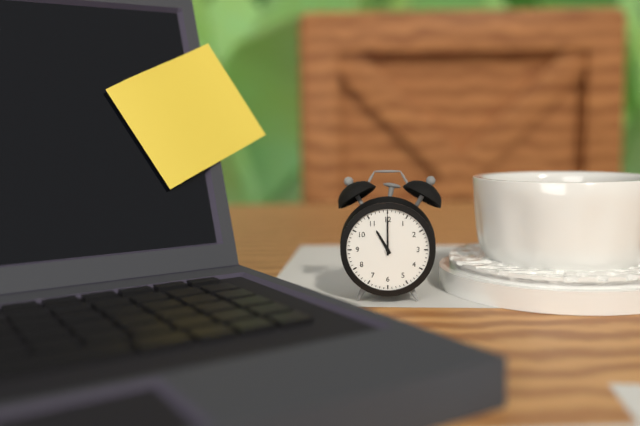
11:00
